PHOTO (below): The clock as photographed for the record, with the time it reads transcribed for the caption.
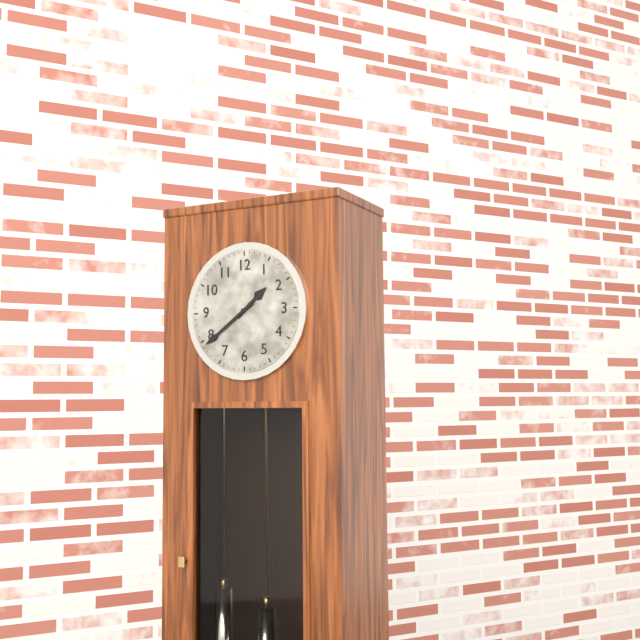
1:39
